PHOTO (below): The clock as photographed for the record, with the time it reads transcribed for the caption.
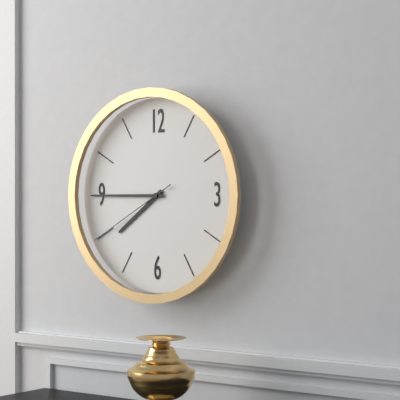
7:45:40
